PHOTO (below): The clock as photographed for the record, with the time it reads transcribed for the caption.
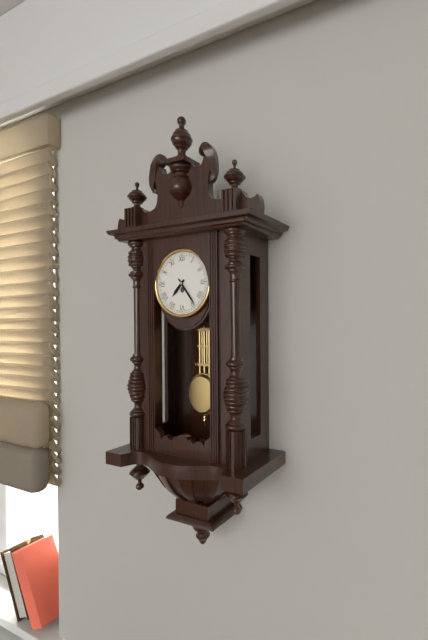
7:24
